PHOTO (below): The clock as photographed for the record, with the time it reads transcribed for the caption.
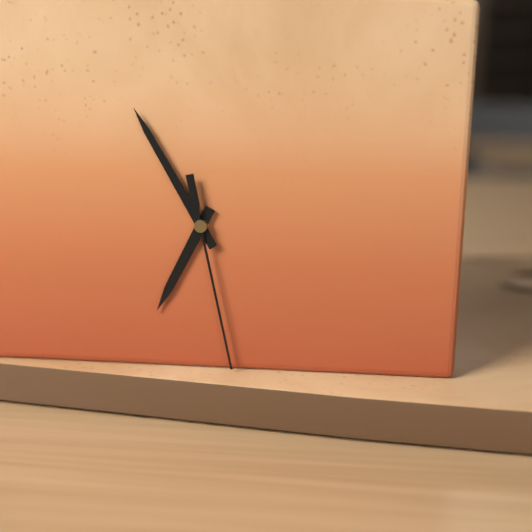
6:55:28
